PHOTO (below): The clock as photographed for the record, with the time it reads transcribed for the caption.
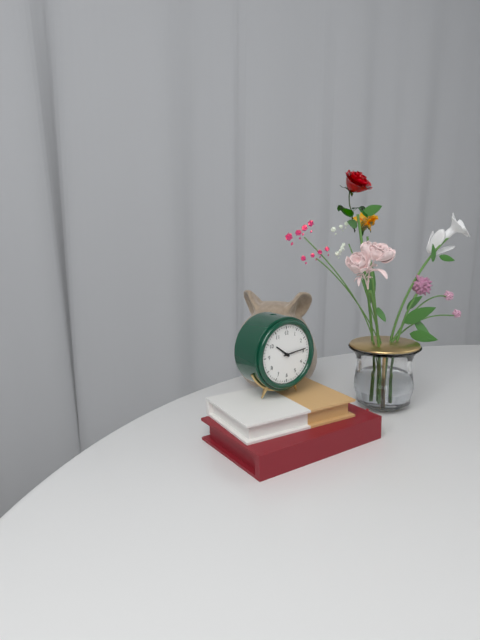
10:14
